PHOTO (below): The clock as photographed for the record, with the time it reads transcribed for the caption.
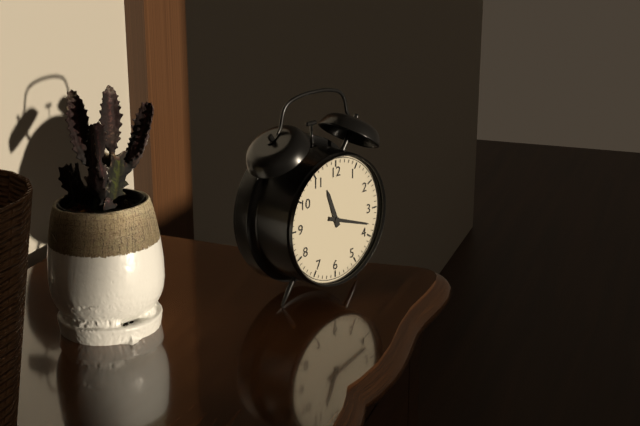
11:18
